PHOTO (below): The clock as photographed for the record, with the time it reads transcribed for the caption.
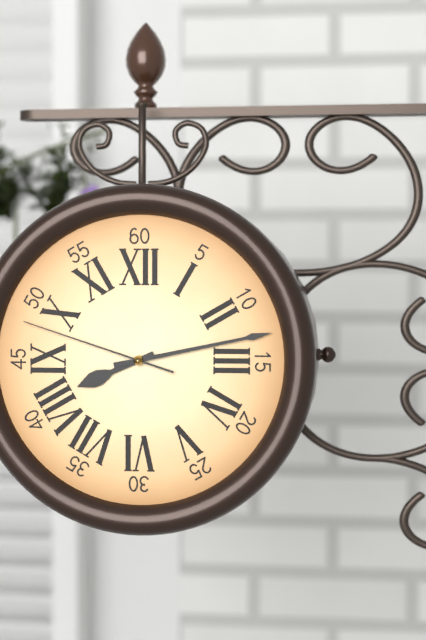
8:13:48
